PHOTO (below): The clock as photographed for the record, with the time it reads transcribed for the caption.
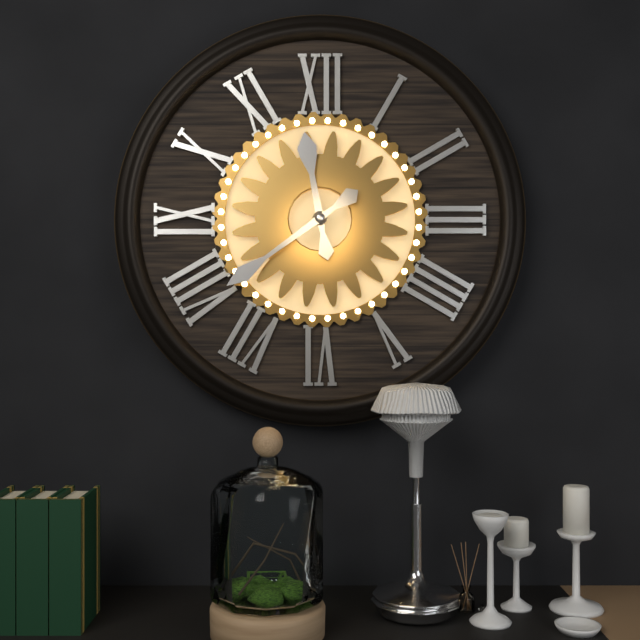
11:39
